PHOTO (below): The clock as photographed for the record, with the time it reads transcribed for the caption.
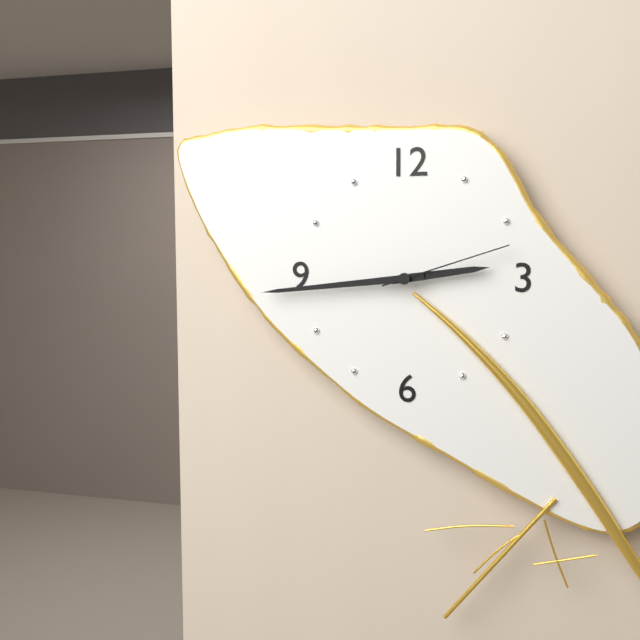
2:44:12
